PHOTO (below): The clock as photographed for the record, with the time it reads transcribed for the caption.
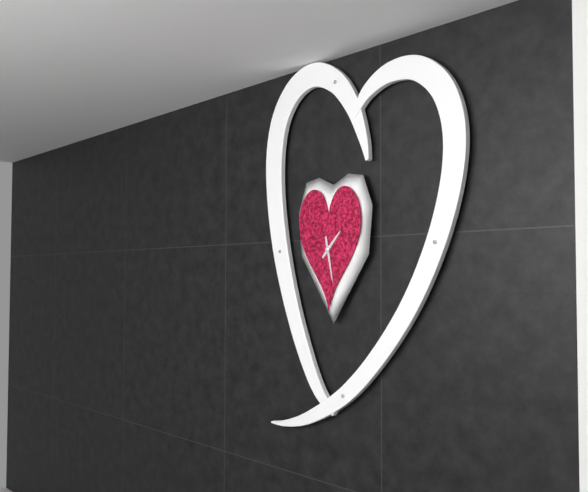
1:28
